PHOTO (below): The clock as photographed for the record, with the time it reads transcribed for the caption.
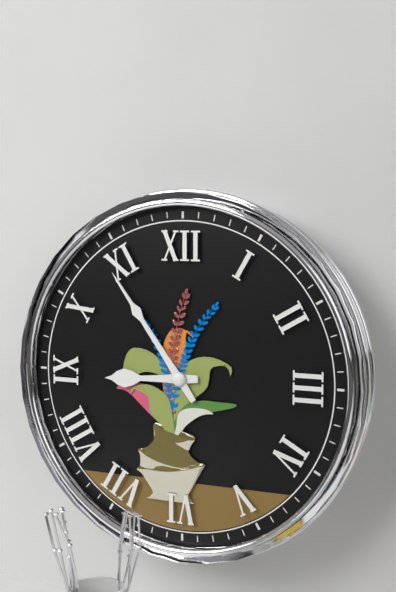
8:54
